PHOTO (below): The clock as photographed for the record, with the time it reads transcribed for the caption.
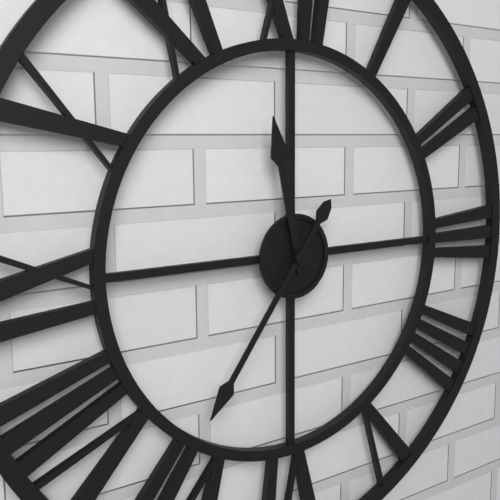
11:36
